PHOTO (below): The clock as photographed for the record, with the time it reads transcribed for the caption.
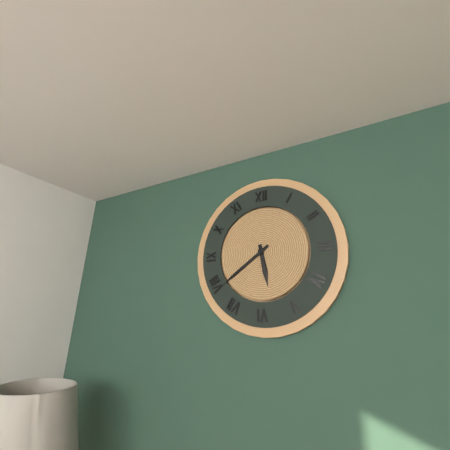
5:39
